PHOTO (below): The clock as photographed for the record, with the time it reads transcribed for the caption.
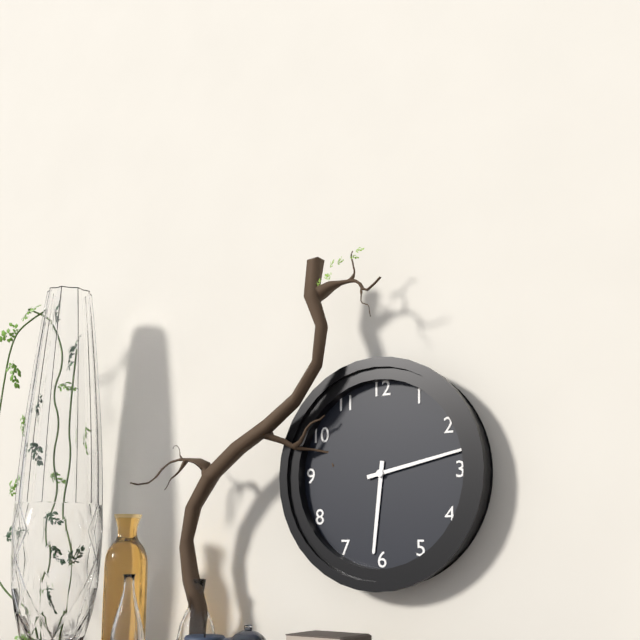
6:13
